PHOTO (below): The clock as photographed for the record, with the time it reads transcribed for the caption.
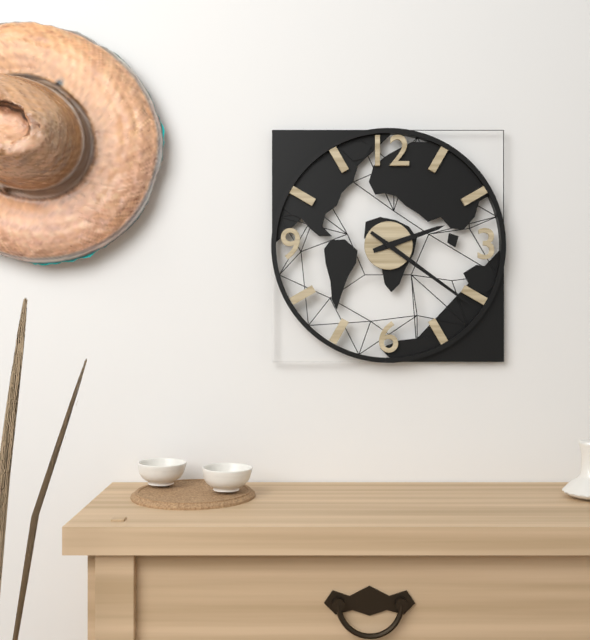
2:21
